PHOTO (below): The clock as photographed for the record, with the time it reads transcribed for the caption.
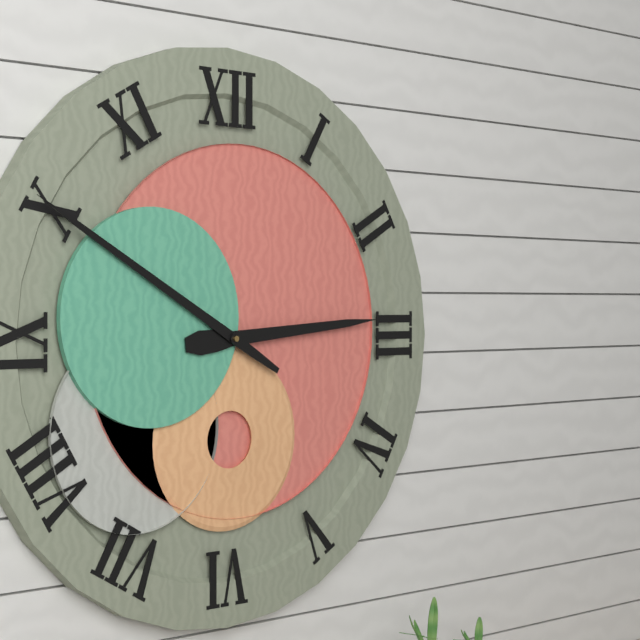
2:50
